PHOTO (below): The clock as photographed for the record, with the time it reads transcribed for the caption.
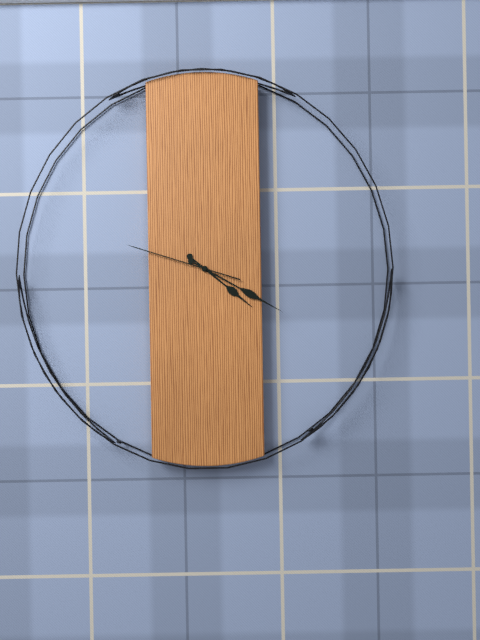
4:20:48
